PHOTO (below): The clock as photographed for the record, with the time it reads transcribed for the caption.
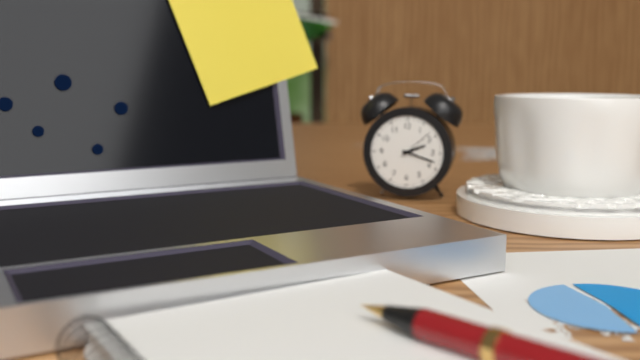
2:18
